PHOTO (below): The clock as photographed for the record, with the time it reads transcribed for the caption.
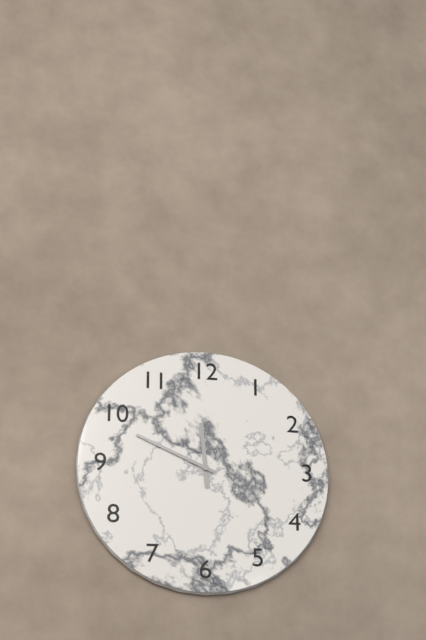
11:49
